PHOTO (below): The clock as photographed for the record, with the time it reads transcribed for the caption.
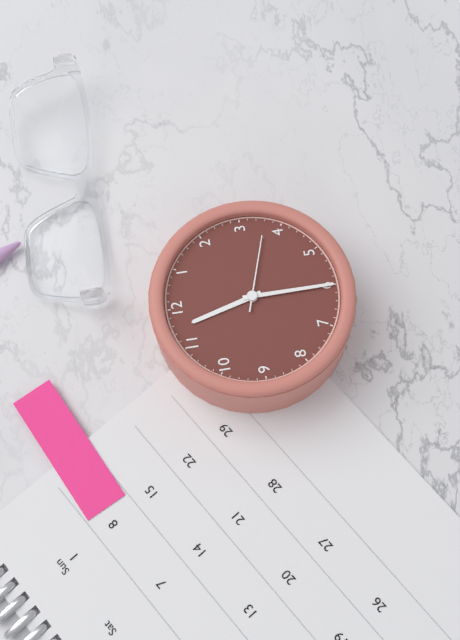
11:30:18
